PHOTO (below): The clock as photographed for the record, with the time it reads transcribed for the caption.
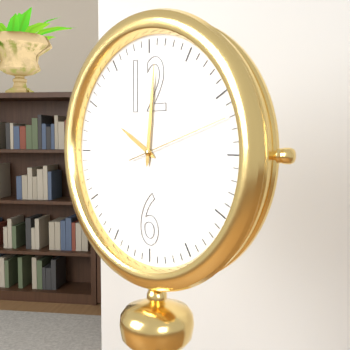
10:01:12
